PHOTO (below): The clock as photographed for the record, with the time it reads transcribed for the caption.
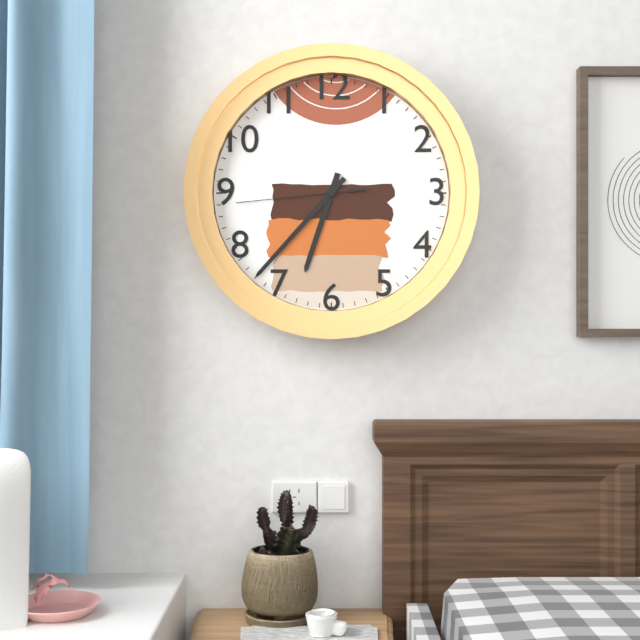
6:37:44
